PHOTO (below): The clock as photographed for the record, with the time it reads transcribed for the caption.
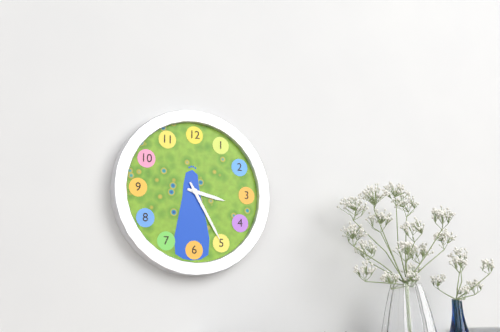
3:25
